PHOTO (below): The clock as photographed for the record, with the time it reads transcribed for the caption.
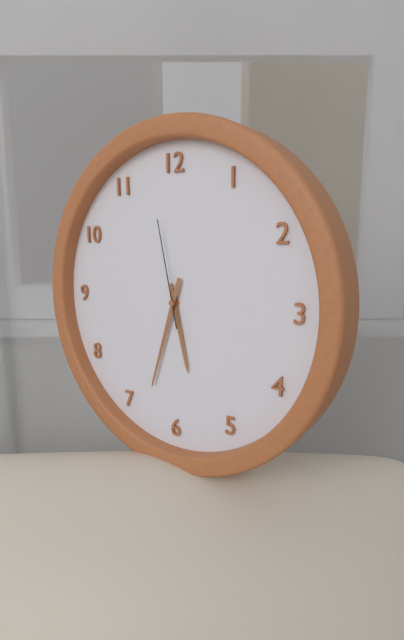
5:33:58
